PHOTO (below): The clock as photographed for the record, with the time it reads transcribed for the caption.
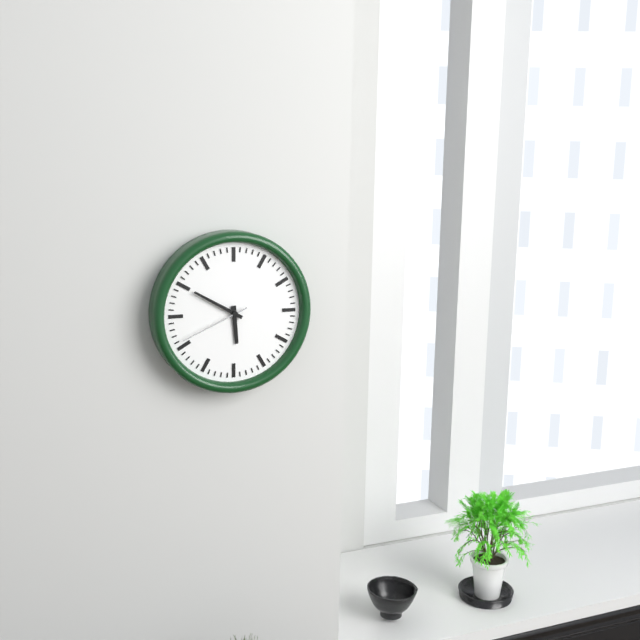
5:50:41
